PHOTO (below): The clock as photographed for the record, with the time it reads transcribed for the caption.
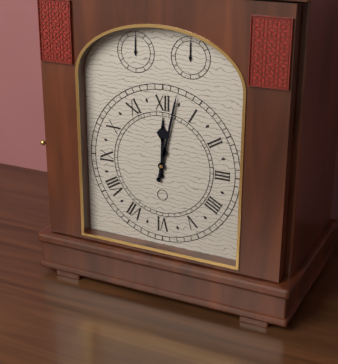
12:02
